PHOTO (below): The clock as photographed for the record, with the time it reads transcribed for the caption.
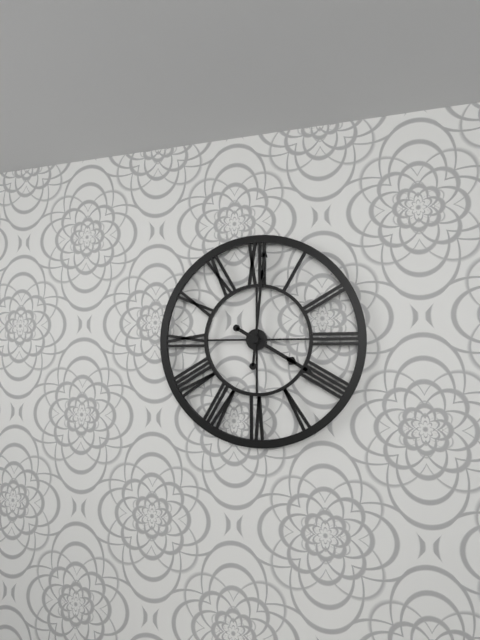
4:01
